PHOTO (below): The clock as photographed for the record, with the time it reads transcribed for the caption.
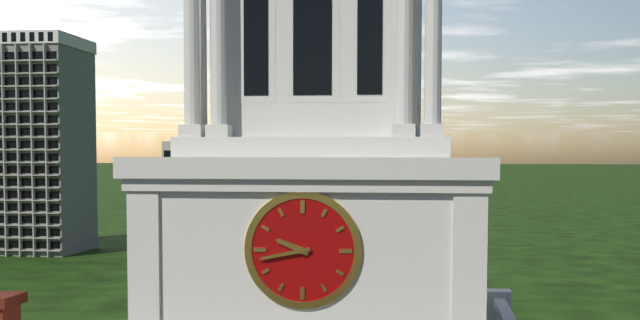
9:43
